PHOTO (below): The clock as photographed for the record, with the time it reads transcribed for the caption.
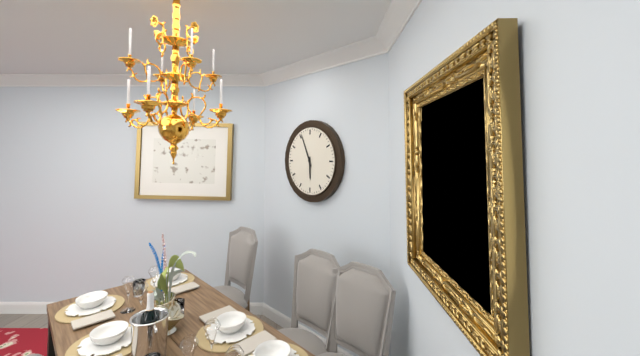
5:56
